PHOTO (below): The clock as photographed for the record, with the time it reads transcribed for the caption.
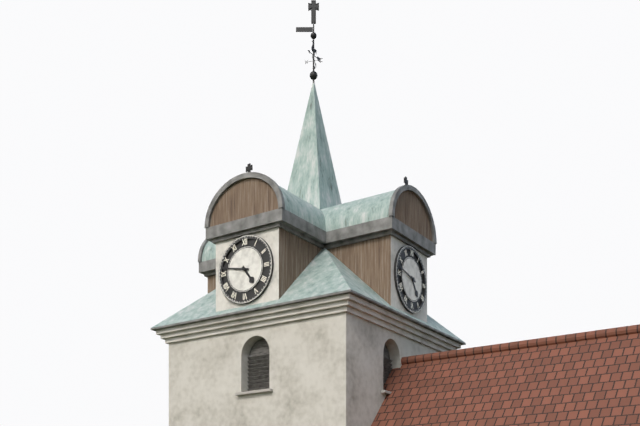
4:47
